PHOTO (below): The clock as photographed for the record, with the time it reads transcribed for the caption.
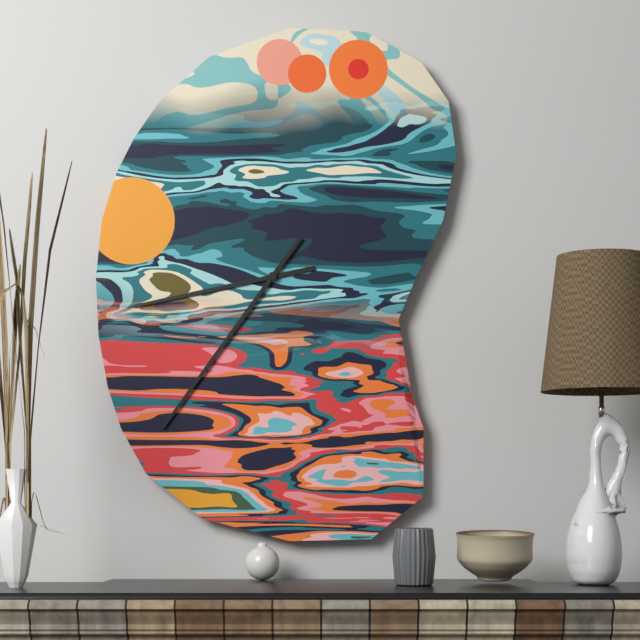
8:36
